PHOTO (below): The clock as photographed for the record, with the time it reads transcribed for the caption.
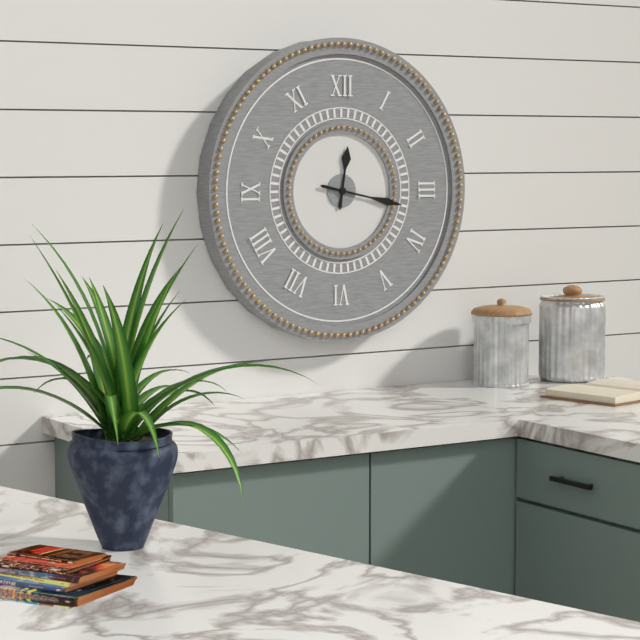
12:17
